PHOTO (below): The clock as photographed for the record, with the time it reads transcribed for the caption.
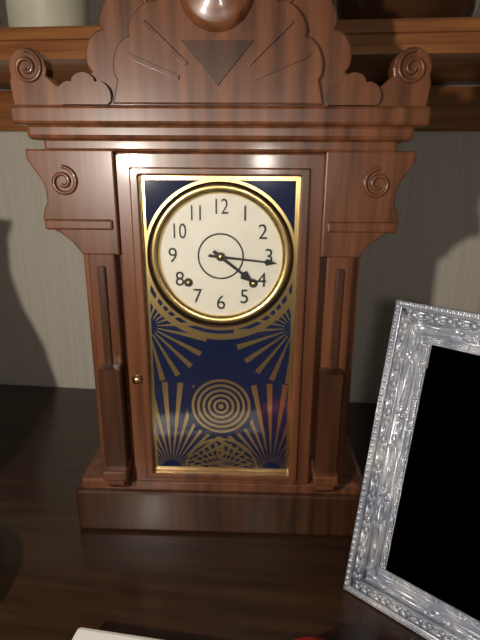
4:16
